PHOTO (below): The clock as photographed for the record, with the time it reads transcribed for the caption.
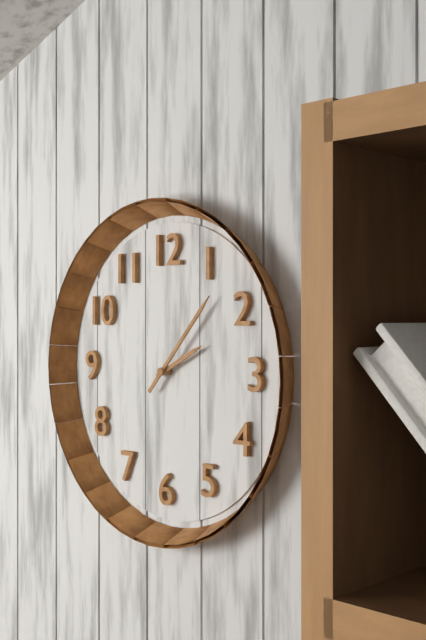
2:07
